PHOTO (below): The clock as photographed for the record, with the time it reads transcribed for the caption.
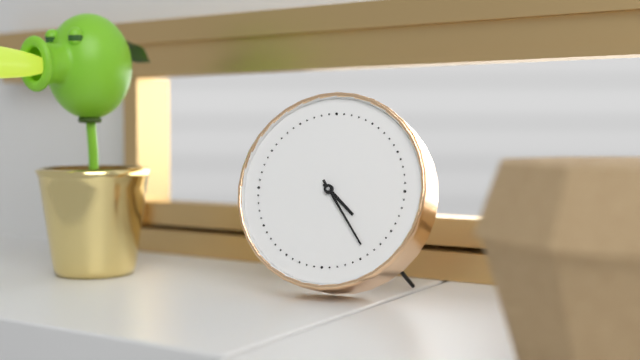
4:24
